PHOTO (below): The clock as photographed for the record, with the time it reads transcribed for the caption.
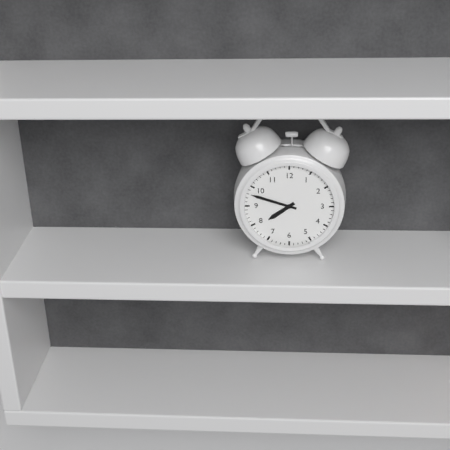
7:48
